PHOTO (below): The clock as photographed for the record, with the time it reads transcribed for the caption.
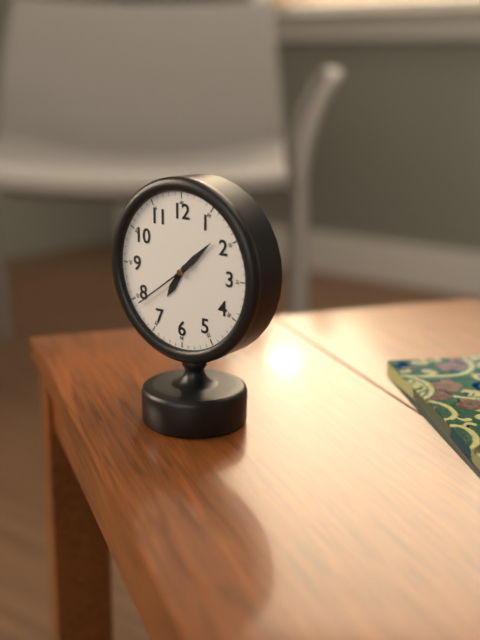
7:08:39
